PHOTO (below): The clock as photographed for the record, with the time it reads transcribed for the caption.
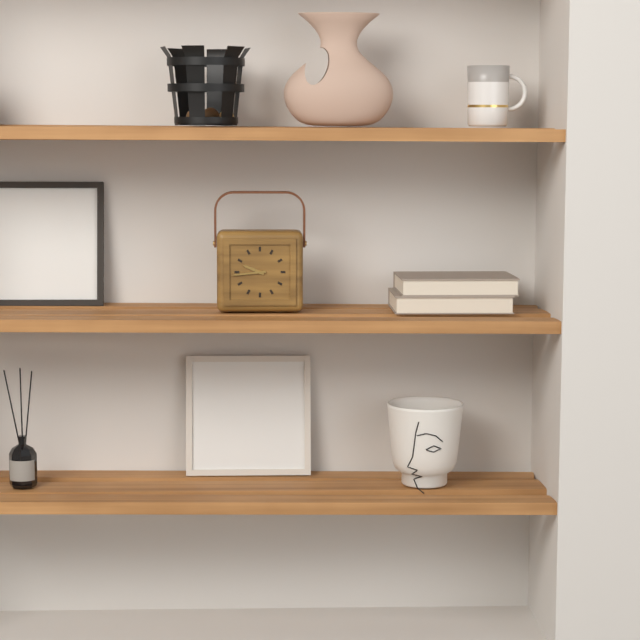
9:44
